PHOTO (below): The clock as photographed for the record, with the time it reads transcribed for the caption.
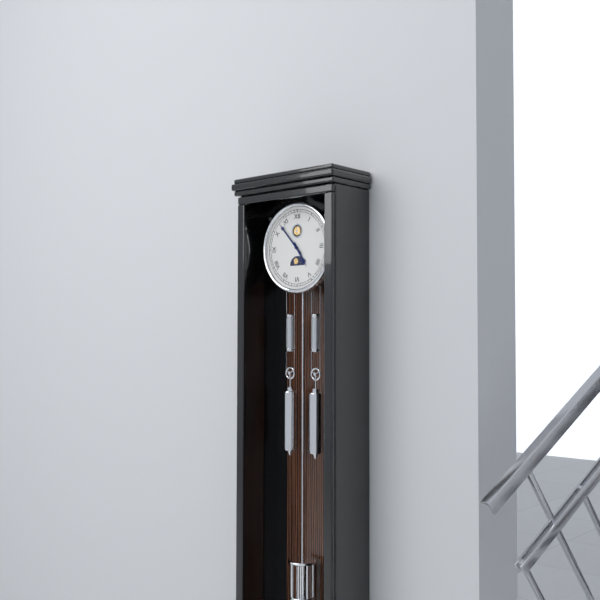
4:53
